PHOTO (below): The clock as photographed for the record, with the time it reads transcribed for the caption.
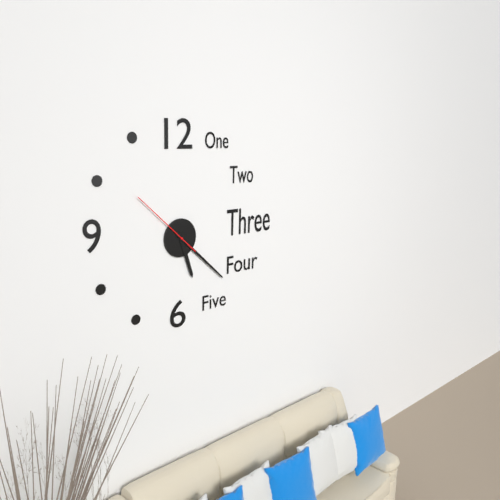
5:22:52
